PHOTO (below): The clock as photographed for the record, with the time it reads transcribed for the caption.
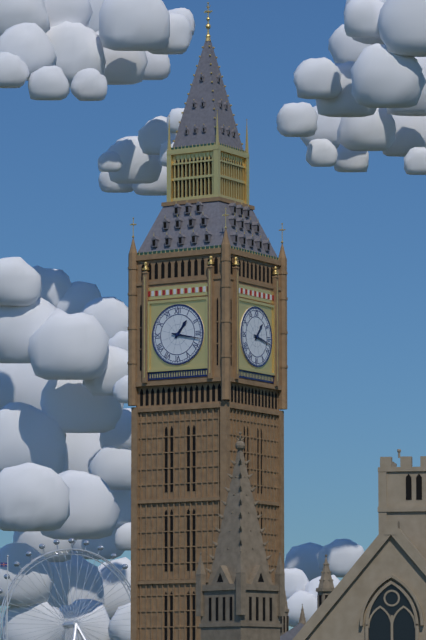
1:17
